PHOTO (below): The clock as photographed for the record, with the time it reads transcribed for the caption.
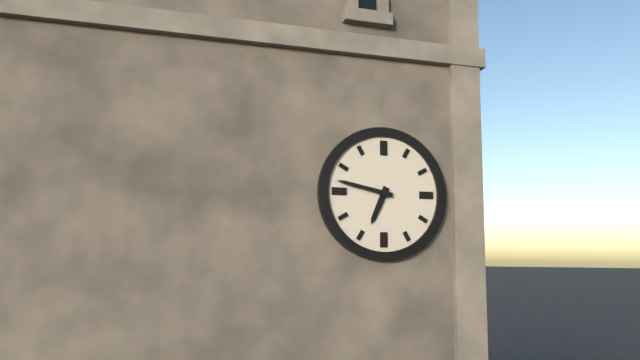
6:47
